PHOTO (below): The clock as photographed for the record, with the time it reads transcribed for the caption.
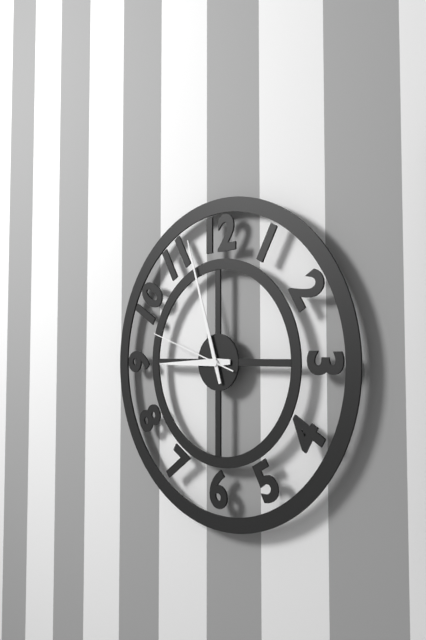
8:57:48
